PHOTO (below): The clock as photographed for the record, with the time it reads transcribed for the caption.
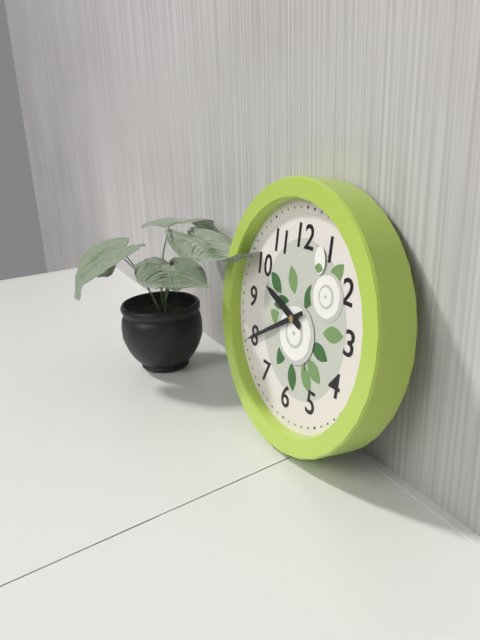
9:40
